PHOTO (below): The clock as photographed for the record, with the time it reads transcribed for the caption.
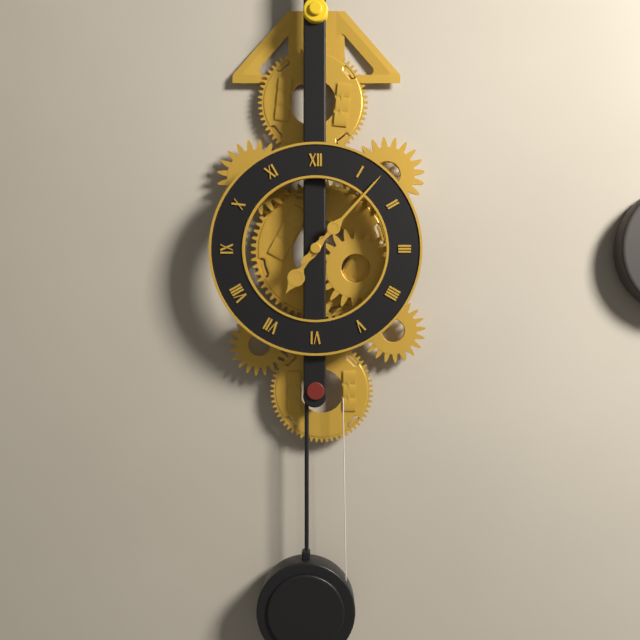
7:07
